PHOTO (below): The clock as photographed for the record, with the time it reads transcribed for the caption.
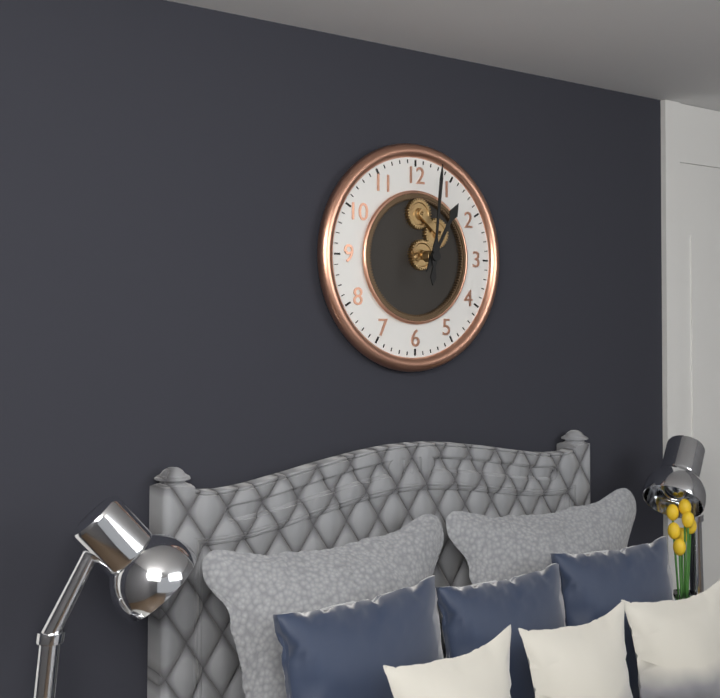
1:01
